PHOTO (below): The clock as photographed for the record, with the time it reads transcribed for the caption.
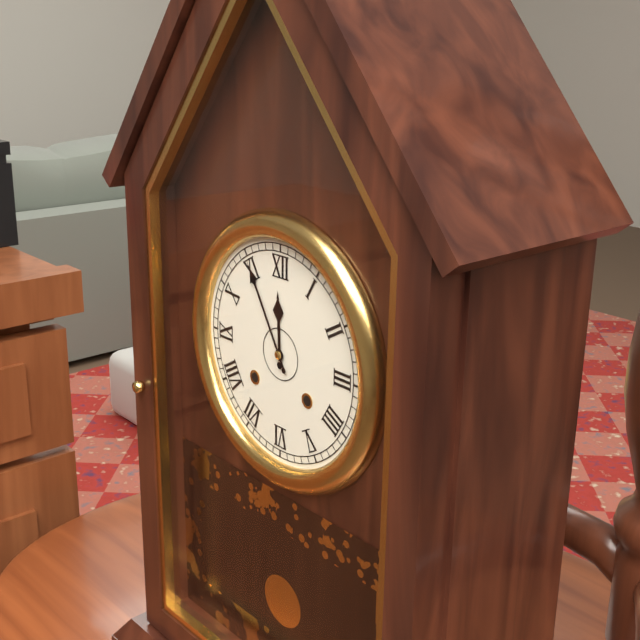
11:55
